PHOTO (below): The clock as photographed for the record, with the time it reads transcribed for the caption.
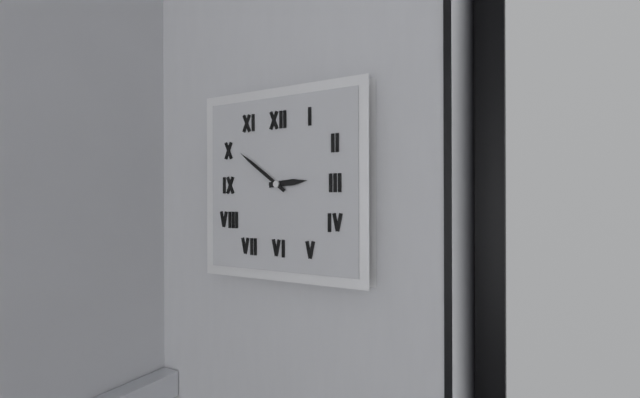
2:51
